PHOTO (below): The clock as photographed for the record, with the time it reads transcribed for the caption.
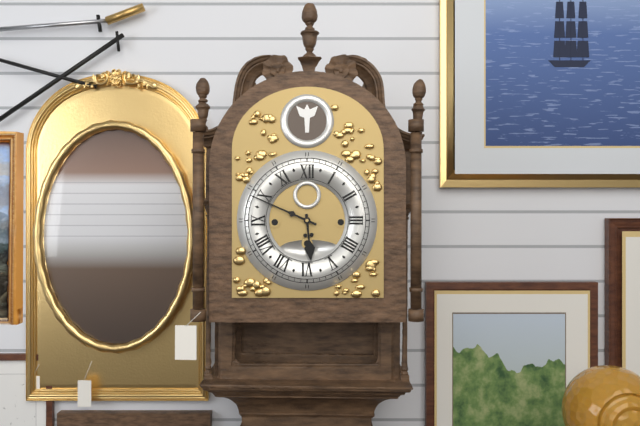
5:49
